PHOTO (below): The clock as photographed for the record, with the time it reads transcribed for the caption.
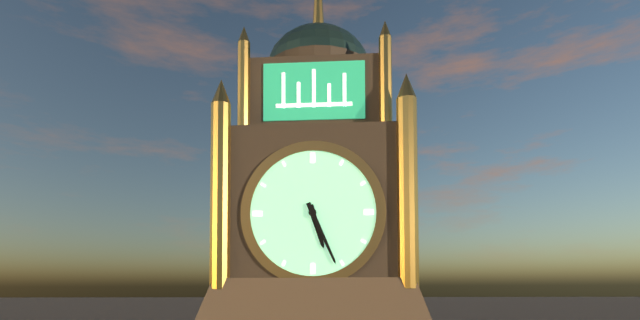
5:26
